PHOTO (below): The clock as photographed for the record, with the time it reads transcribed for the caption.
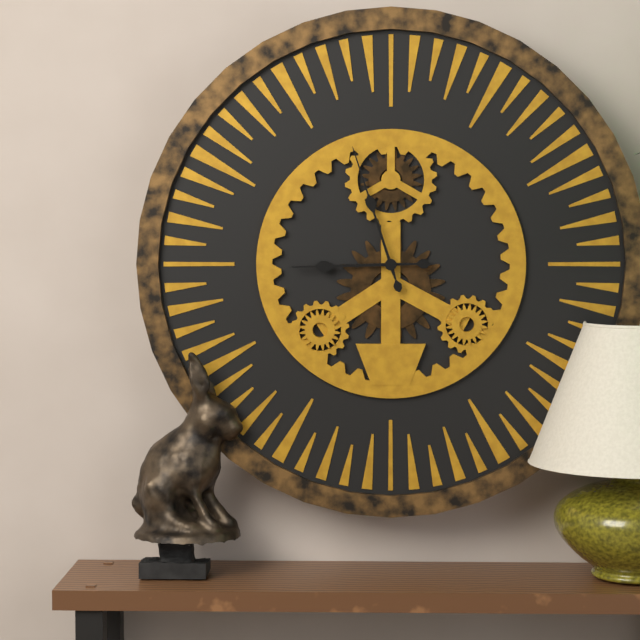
8:57
